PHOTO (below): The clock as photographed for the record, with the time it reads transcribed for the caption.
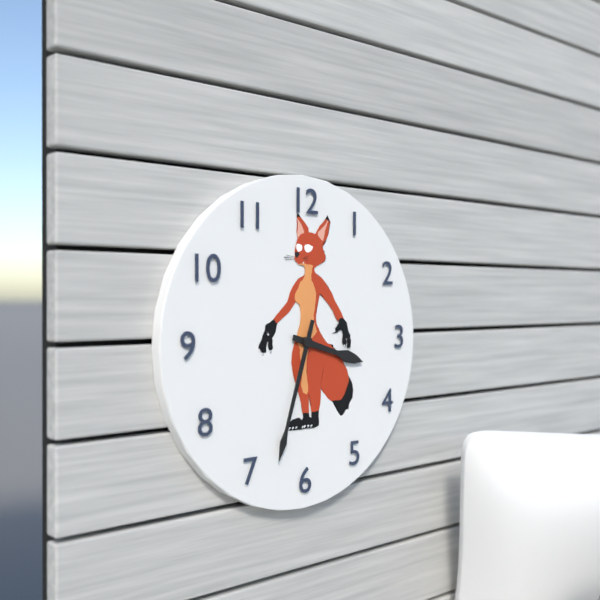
3:33
